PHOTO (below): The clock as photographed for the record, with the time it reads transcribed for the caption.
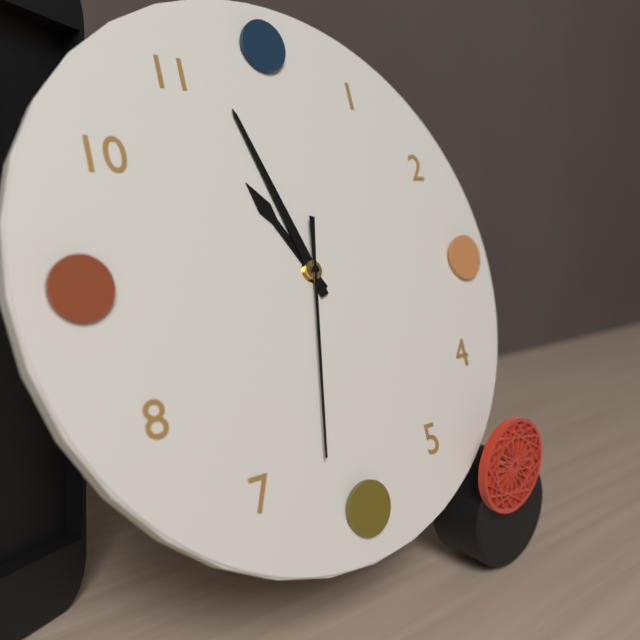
10:57:32
